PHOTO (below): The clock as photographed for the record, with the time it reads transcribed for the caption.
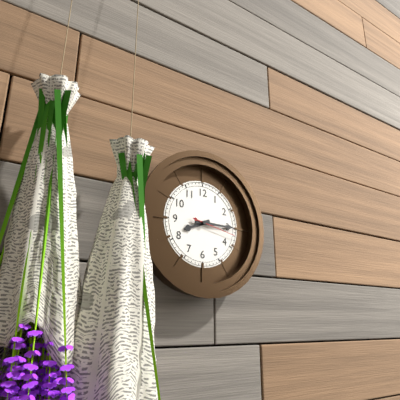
8:15
